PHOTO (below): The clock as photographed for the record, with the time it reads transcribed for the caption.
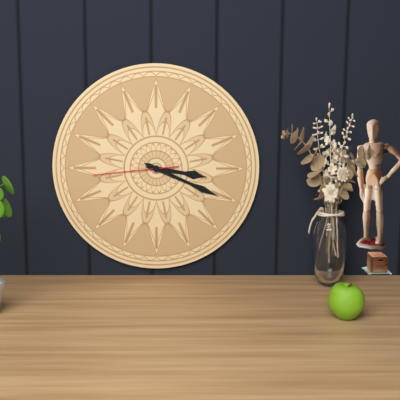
3:19:44
